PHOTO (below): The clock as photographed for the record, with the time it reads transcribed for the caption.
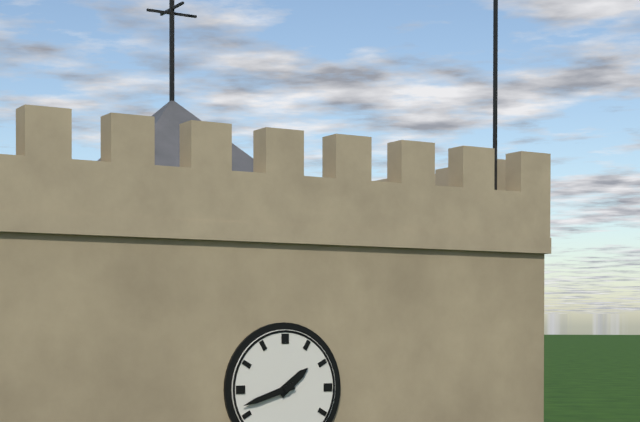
1:42
